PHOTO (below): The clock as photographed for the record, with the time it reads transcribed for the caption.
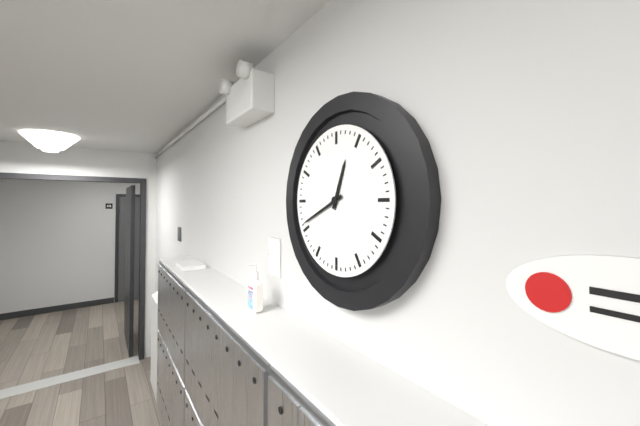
12:41
